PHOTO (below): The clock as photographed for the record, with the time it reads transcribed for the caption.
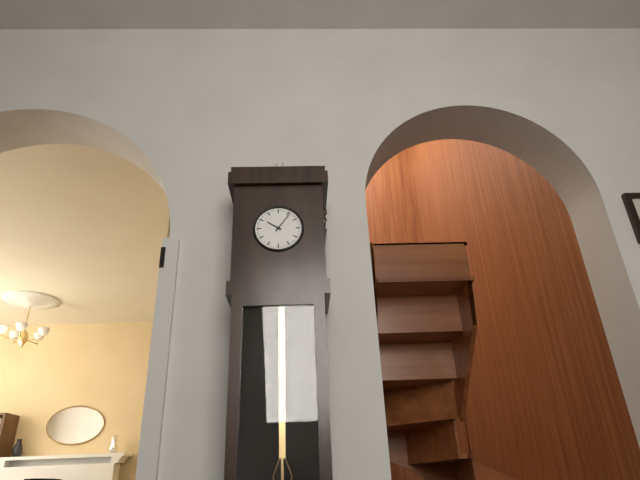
10:06
